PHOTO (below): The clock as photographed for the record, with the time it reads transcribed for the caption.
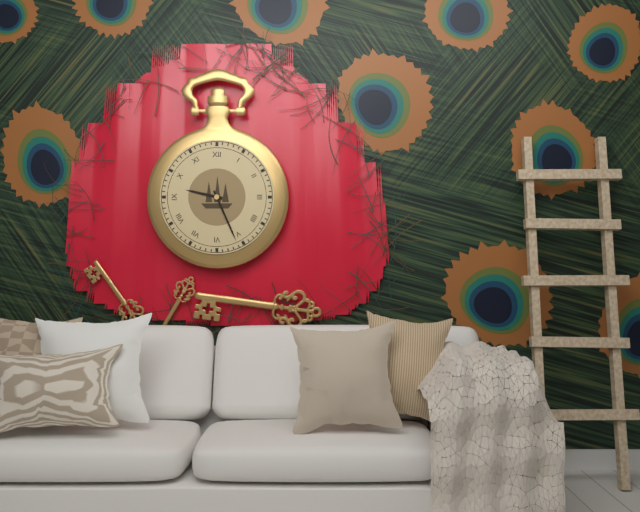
9:26
